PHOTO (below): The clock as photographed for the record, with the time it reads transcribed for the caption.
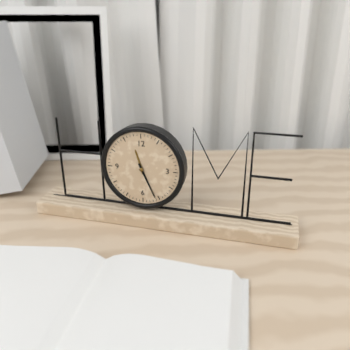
11:26
